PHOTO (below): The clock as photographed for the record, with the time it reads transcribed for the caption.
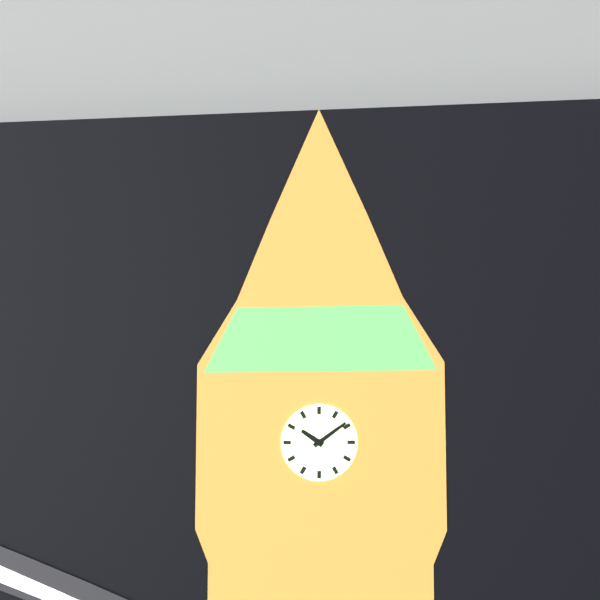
10:09
